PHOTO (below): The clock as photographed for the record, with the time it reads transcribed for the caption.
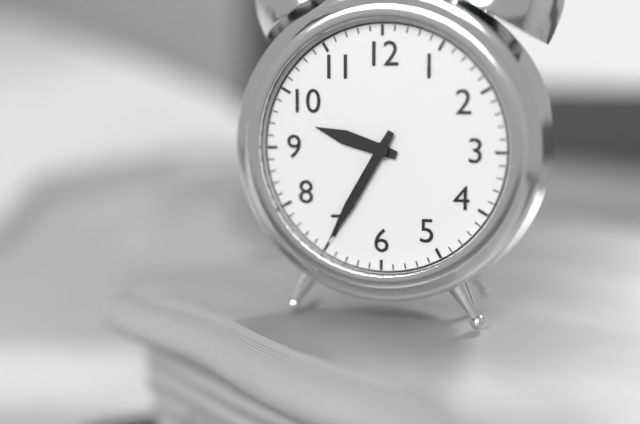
9:35
